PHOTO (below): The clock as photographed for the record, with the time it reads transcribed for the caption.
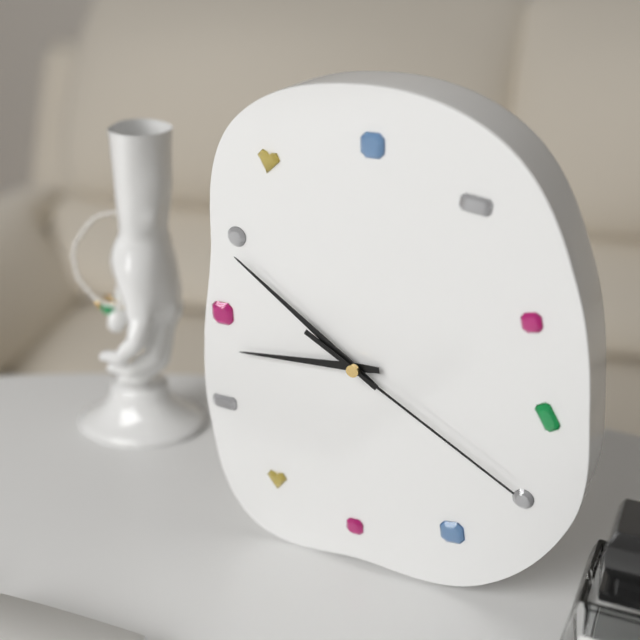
8:51:20
